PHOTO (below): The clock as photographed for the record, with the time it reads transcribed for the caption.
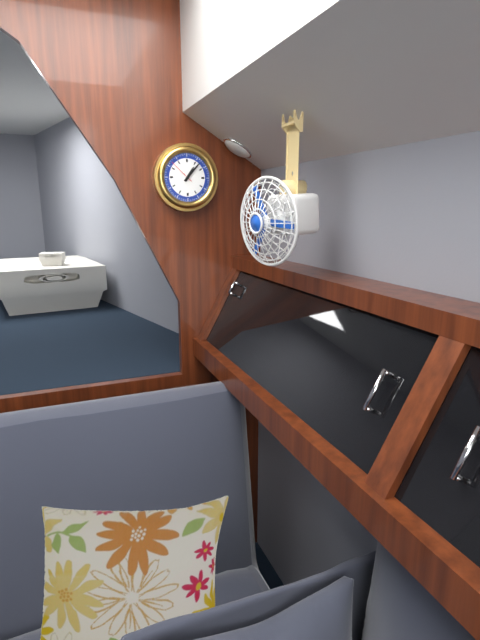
1:07
